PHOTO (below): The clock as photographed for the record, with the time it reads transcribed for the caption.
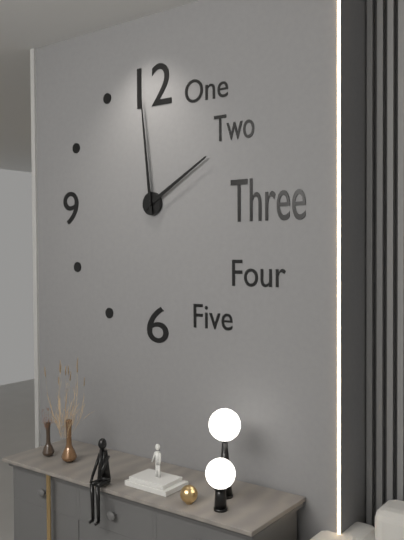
1:59
